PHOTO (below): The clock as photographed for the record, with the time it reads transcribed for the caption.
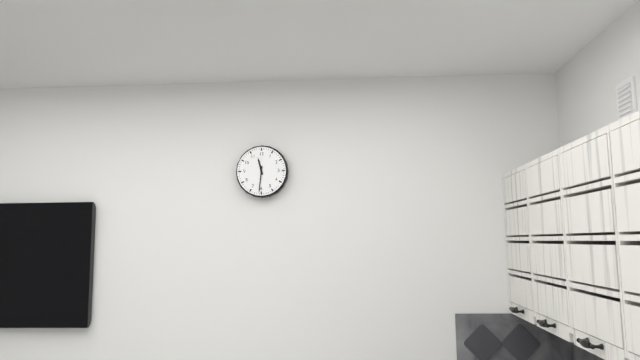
11:31
